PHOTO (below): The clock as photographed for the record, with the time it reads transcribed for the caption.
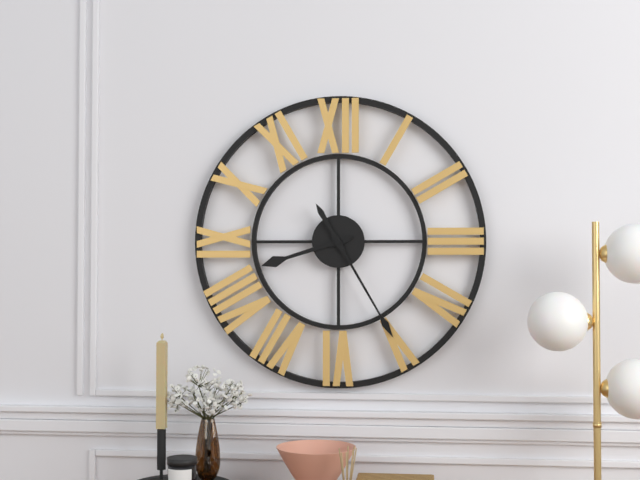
8:25
